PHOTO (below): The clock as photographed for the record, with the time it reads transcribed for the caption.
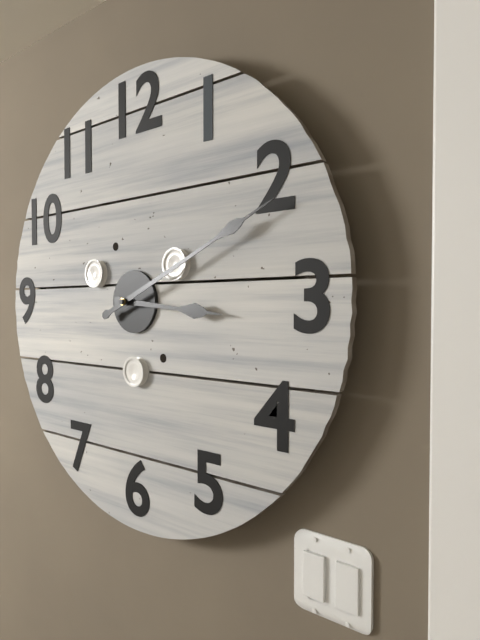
3:11
